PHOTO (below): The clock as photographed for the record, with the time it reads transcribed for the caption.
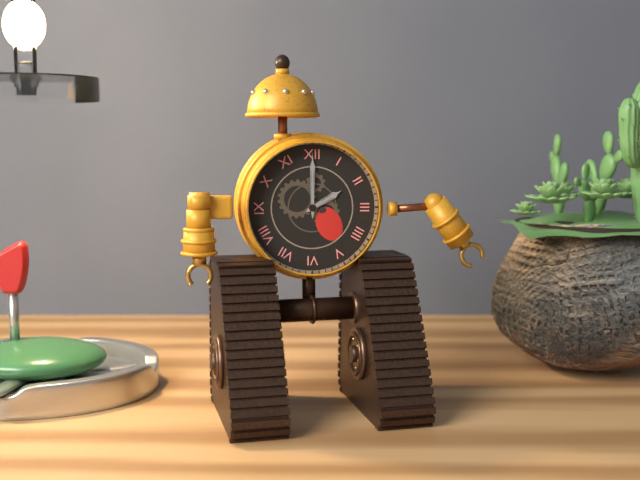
2:00
